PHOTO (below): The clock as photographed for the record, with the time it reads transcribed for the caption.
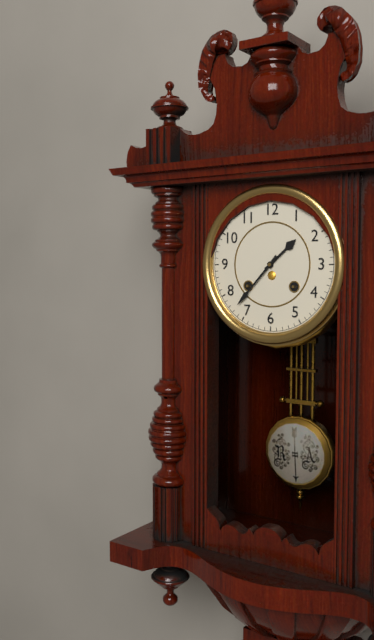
1:37
